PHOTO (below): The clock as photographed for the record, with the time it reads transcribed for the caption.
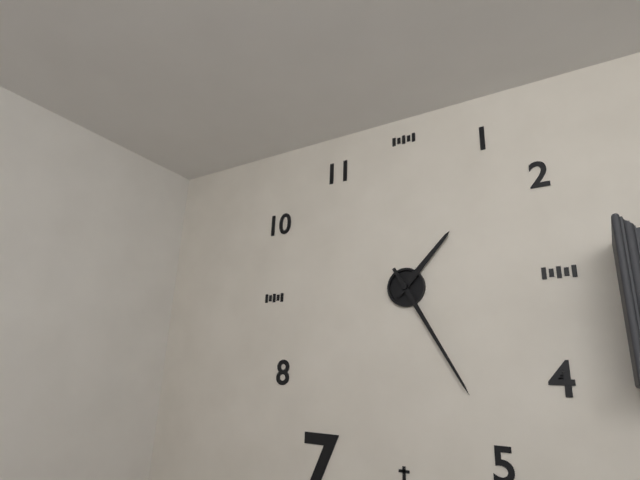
1:25
